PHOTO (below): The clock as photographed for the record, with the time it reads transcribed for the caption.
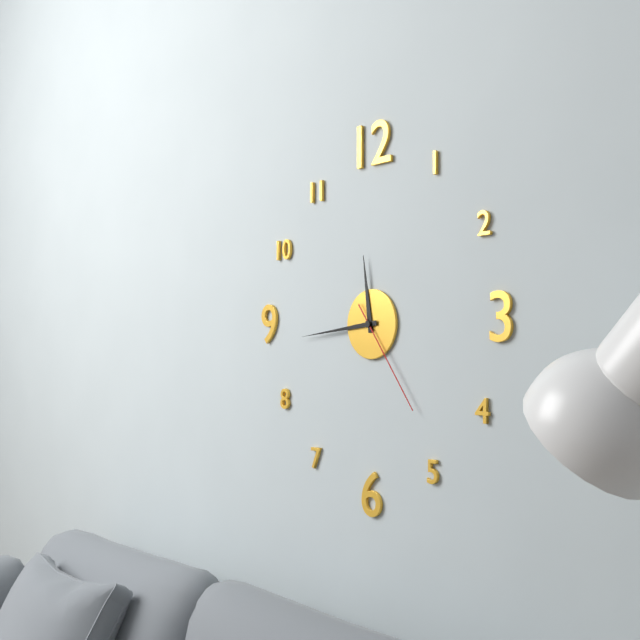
11:44:24
